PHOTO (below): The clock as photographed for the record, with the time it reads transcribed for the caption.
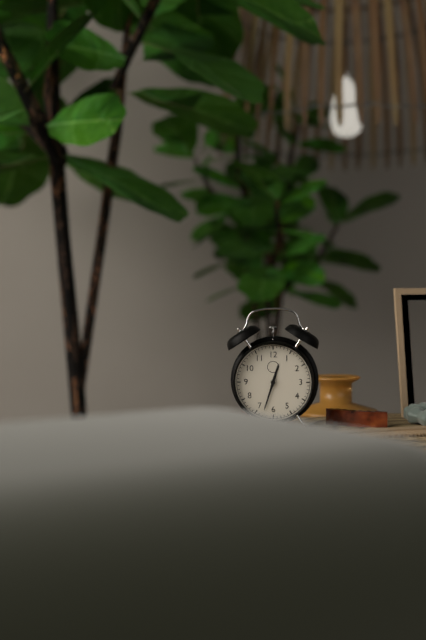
12:33
